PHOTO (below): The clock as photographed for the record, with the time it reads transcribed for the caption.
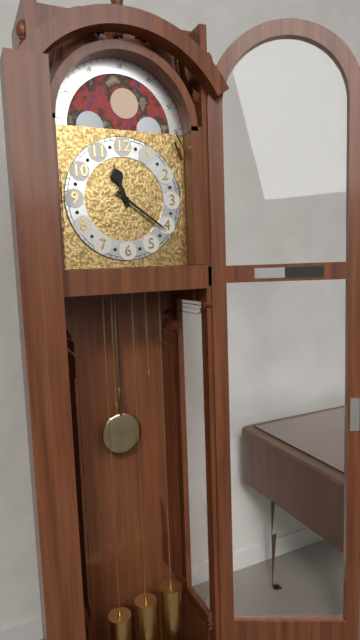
11:21
